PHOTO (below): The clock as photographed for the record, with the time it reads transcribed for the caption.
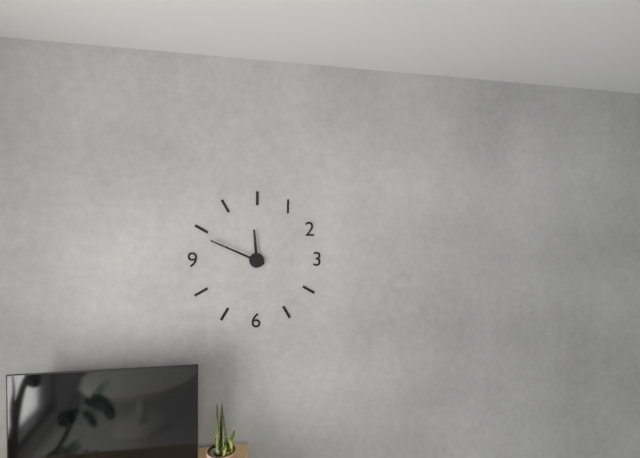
11:49
